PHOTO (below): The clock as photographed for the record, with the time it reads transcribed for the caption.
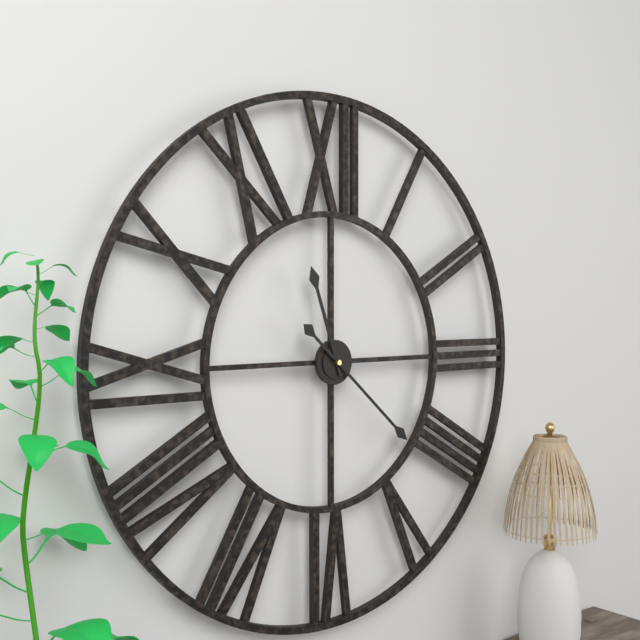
11:22
